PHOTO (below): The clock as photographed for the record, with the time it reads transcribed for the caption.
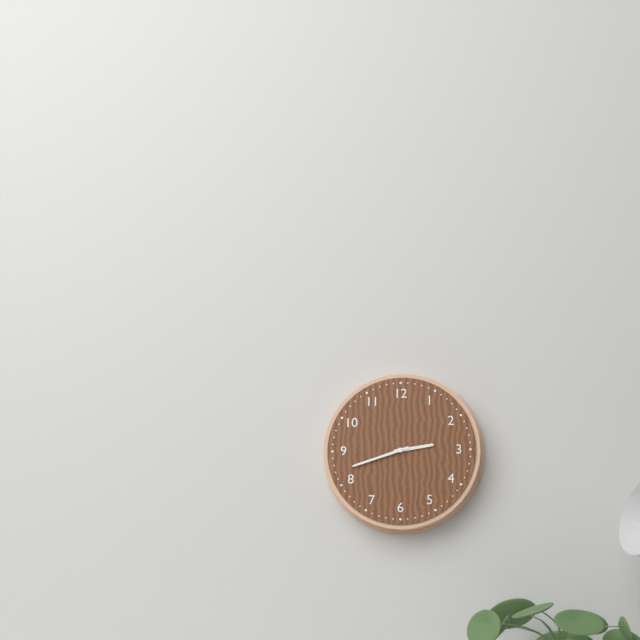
2:42
